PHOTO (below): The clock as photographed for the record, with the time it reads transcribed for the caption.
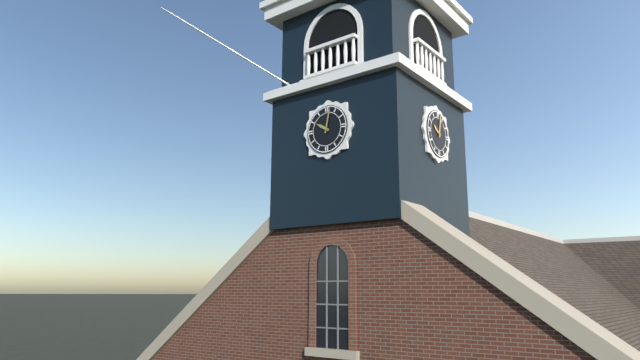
10:02
